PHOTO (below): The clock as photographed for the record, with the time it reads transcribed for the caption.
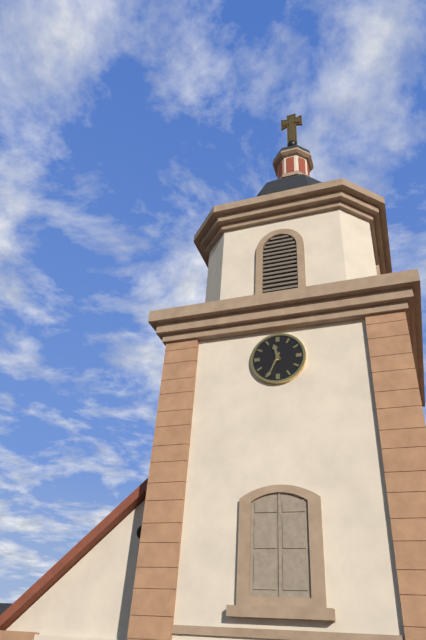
11:34
